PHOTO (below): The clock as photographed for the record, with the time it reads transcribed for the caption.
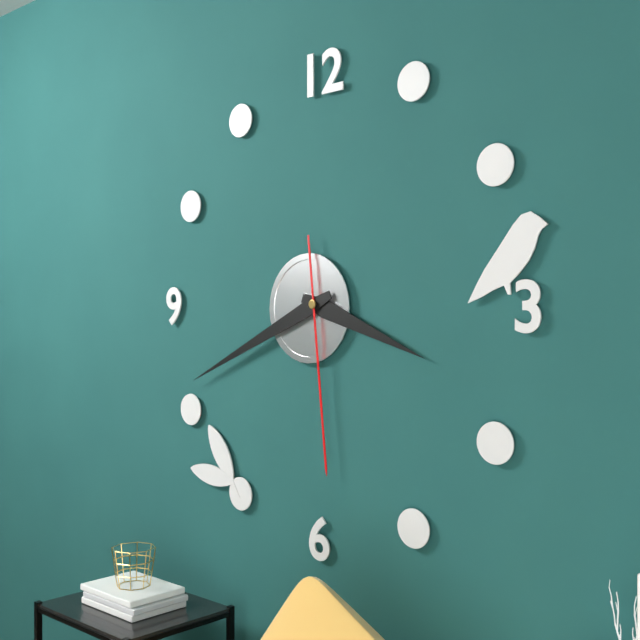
3:41:29
